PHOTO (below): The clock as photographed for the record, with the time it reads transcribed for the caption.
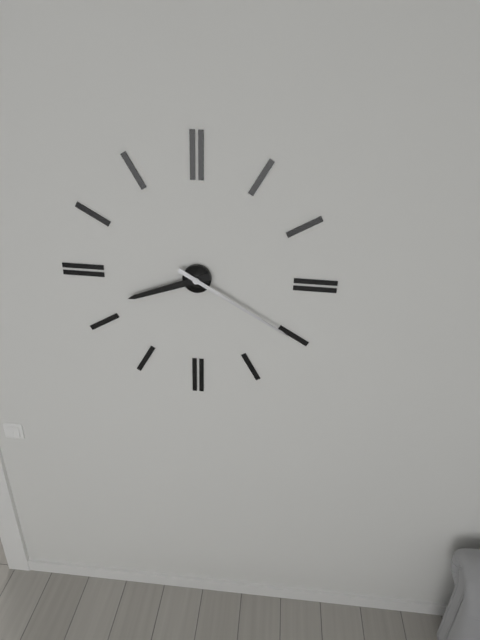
8:20
